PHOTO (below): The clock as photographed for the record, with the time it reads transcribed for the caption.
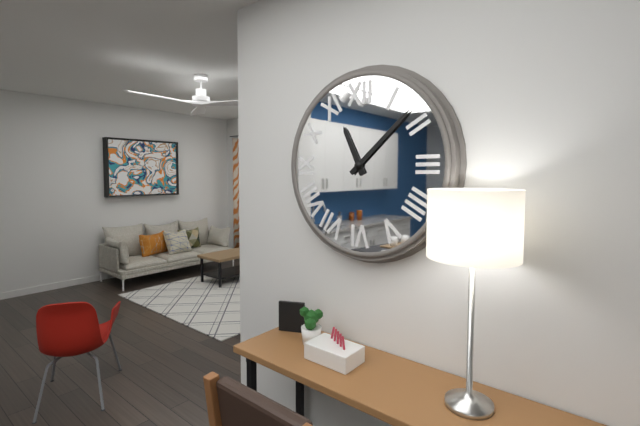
11:08
